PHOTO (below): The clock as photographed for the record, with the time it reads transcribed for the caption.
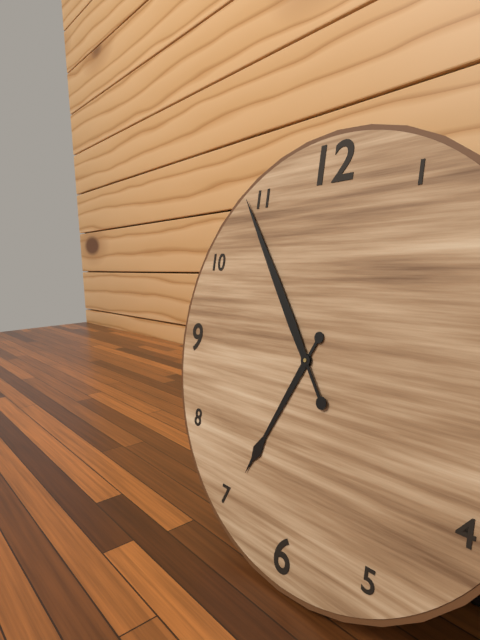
6:54
